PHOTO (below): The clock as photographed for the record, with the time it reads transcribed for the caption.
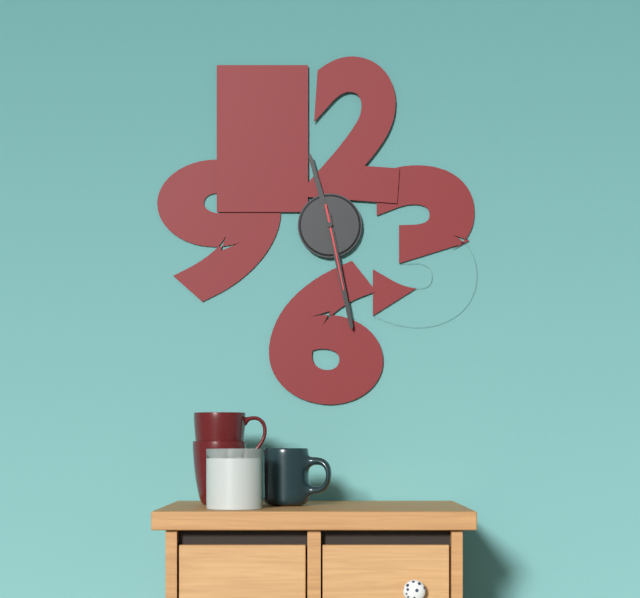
11:28:28
